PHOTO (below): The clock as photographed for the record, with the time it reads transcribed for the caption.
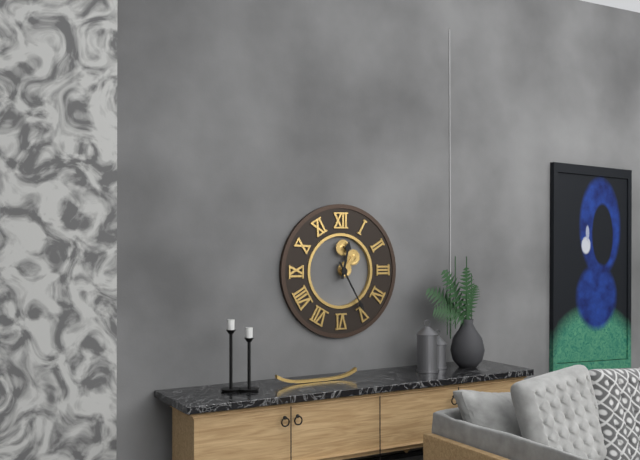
12:25
